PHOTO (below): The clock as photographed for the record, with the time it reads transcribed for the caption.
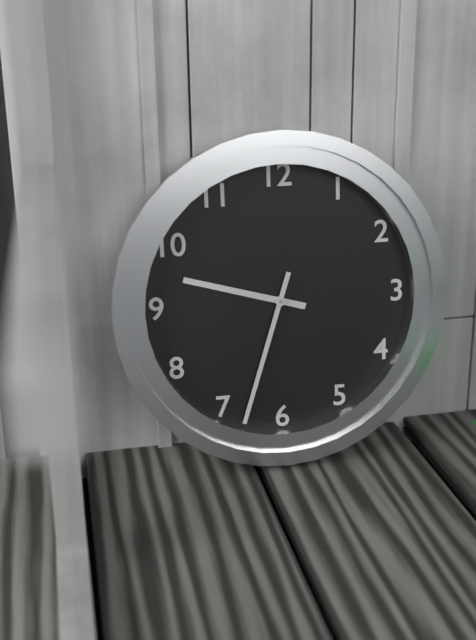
9:33
